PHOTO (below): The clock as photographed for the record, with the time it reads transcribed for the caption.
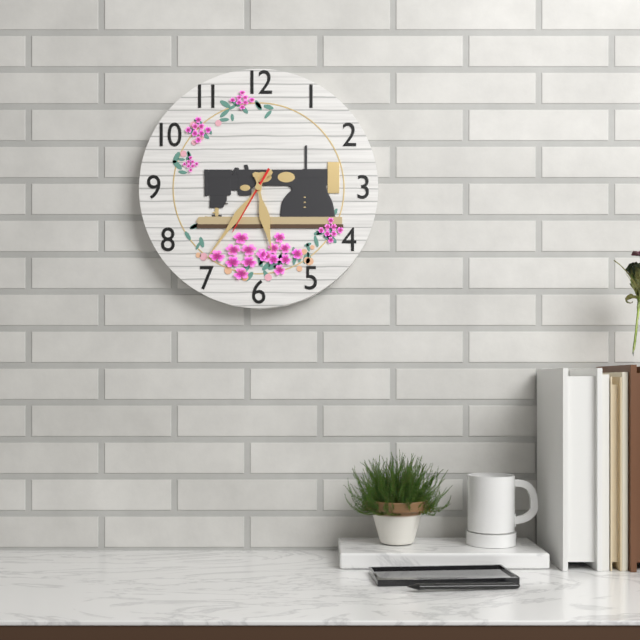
5:36:35
